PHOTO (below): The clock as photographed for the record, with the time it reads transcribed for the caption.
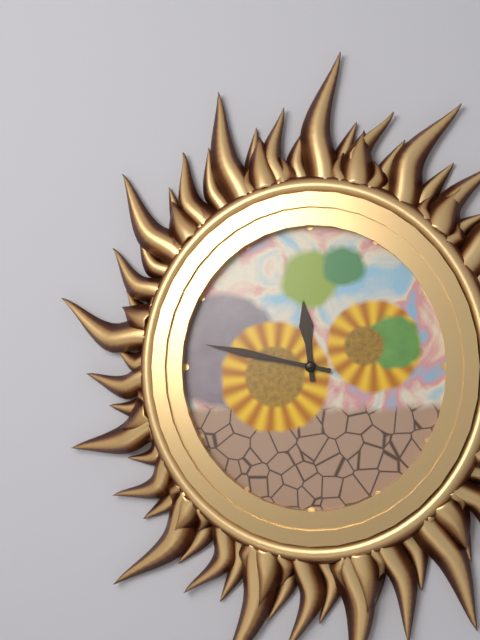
11:47
